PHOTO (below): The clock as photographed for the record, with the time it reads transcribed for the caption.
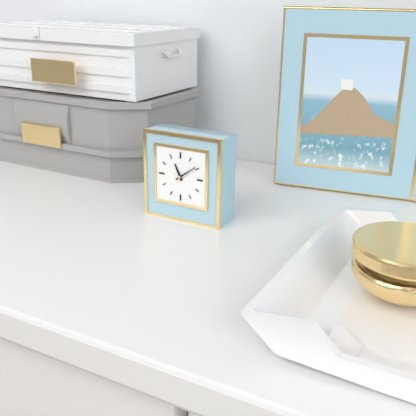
11:09
